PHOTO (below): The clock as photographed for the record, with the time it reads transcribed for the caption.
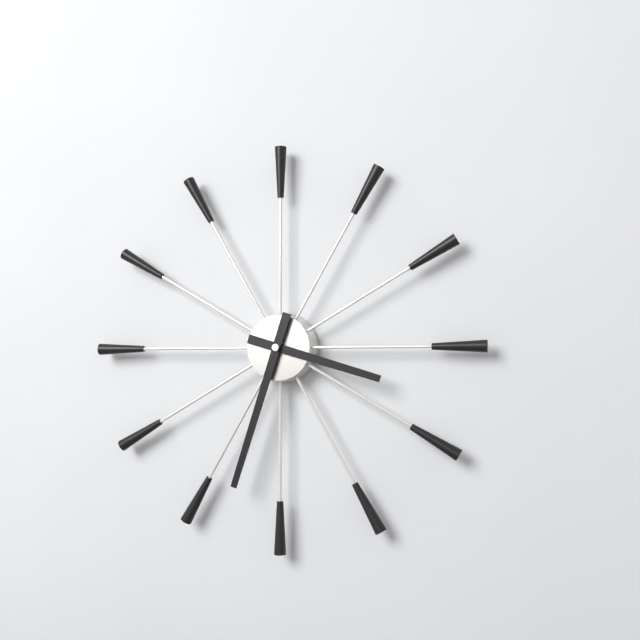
3:33
